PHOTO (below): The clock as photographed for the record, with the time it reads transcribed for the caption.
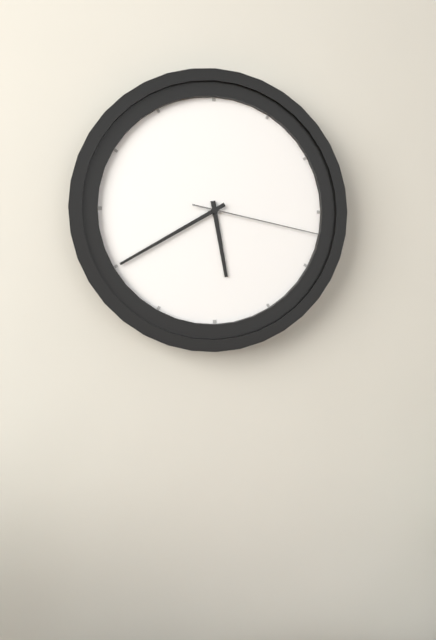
5:40:17
